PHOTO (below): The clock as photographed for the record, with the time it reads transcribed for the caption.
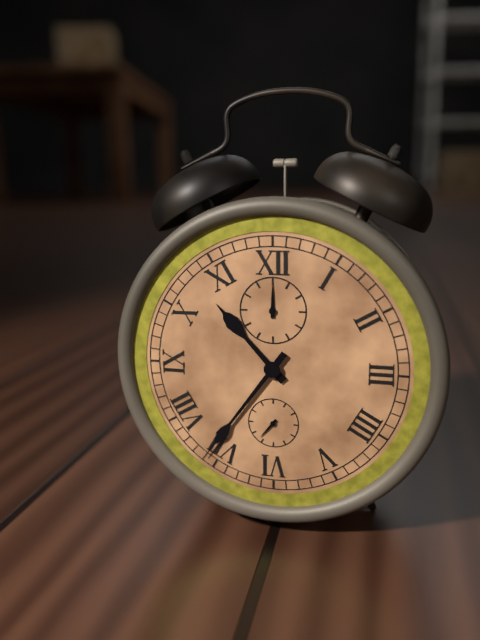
10:36
